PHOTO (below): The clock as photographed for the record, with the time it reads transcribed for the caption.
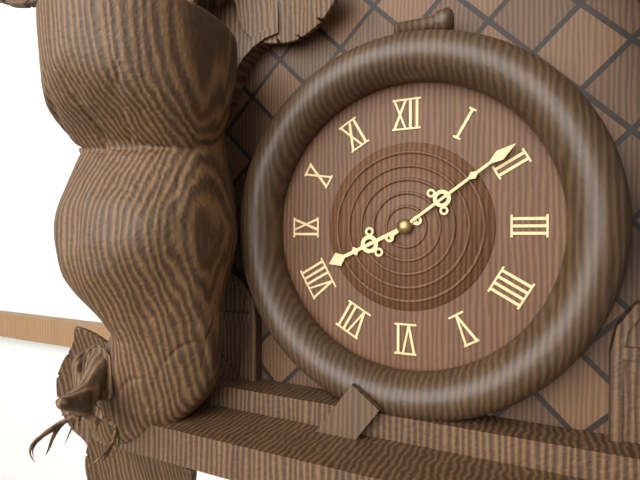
8:09
